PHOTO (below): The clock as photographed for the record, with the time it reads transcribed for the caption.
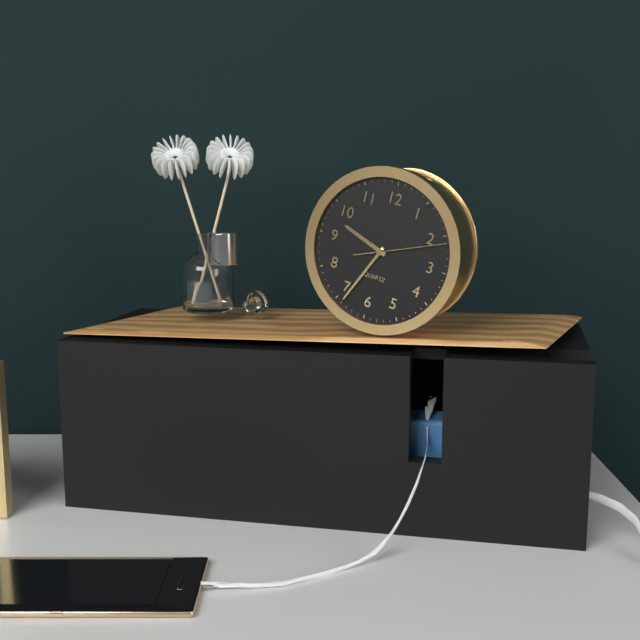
9:34:11
